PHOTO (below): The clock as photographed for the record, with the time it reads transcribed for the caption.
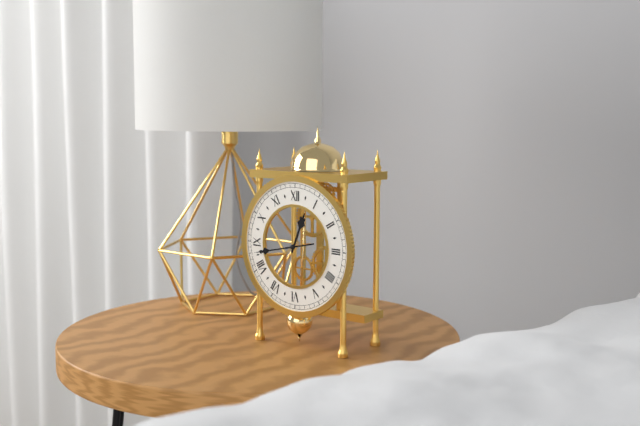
12:43
